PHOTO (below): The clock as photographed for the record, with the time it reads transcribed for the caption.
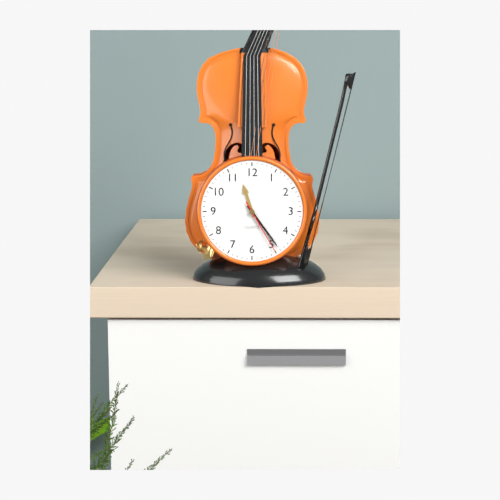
11:24:25
